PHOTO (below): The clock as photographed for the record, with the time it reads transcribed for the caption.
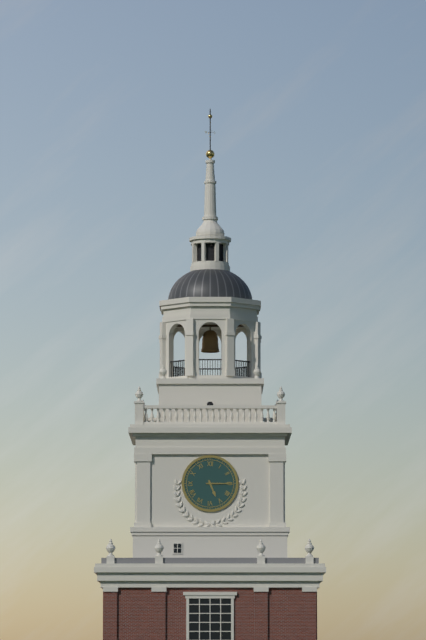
5:15
